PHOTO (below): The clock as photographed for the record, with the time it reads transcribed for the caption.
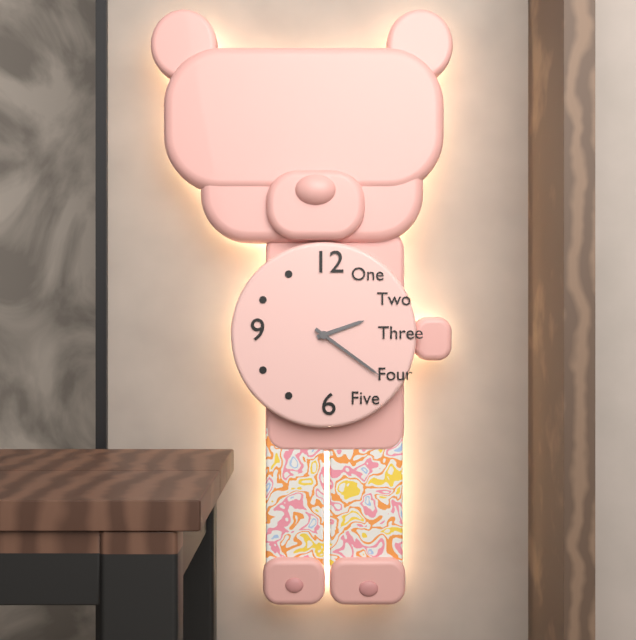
2:21
